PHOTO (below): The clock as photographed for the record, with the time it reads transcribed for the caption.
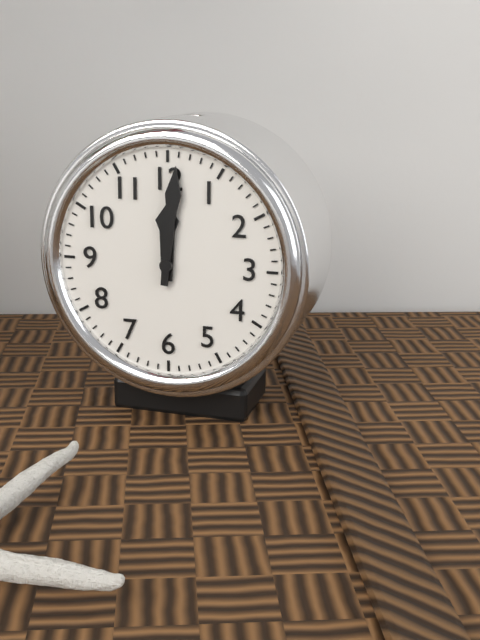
12:01
